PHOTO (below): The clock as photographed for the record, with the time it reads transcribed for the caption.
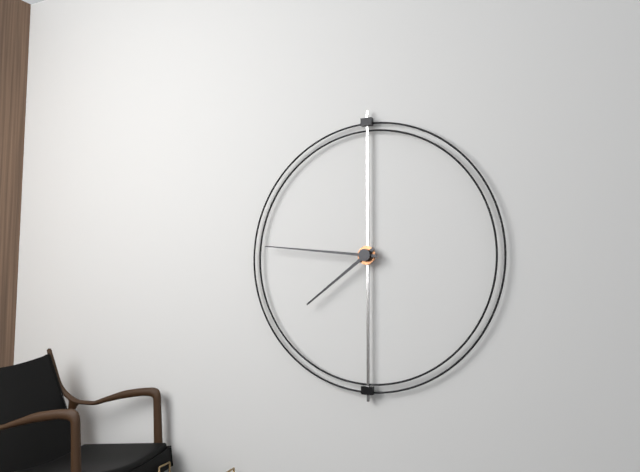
7:46
